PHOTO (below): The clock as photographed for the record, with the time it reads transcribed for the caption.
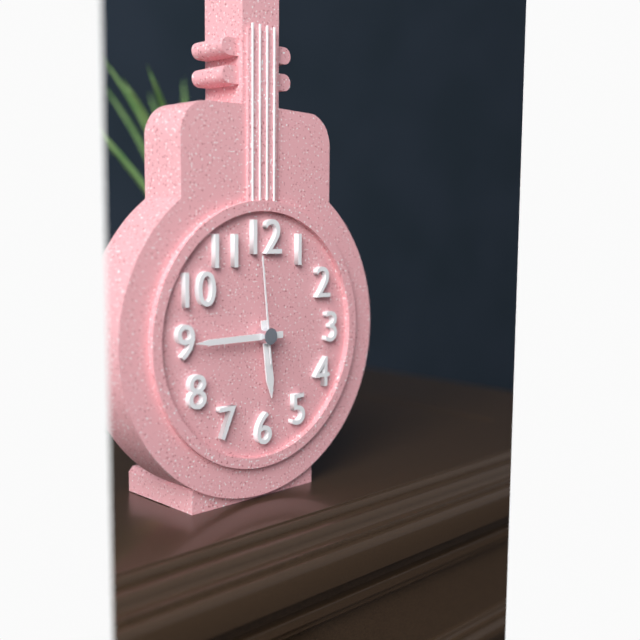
5:45:59
